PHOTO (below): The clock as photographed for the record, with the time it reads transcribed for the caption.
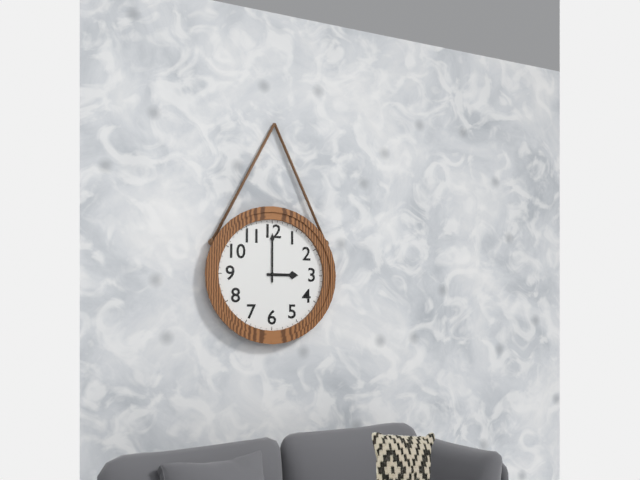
3:00
